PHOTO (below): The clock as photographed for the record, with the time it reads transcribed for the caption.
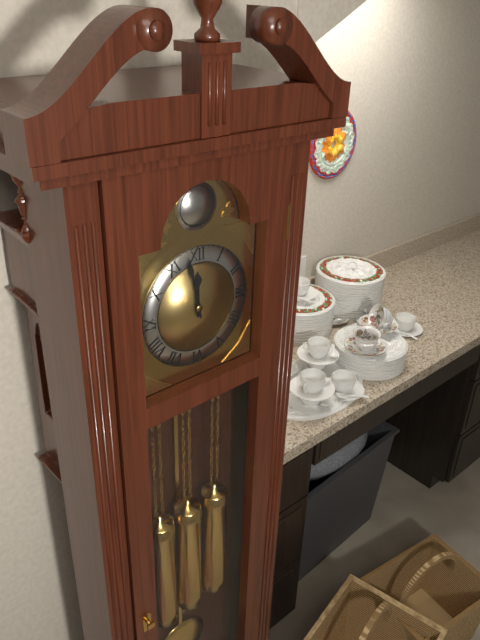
11:58
